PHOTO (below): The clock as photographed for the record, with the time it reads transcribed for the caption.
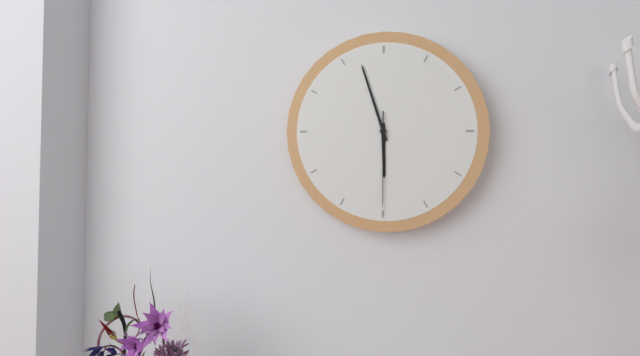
5:57:30
